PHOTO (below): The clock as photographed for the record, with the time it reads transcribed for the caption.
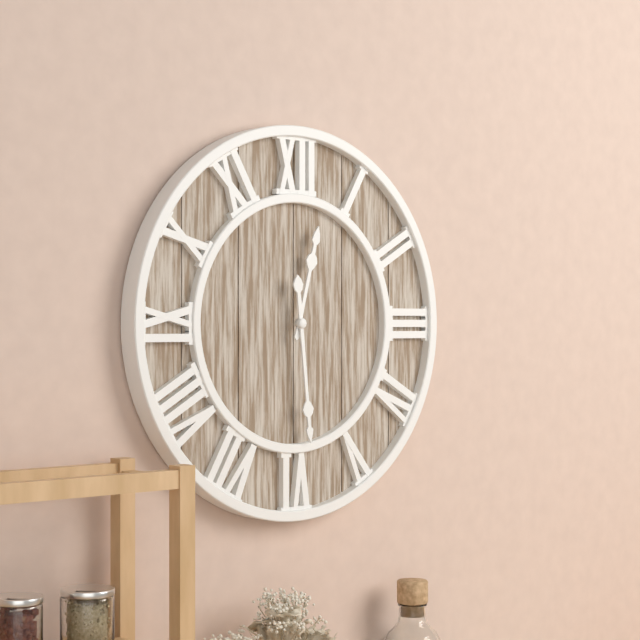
12:29
